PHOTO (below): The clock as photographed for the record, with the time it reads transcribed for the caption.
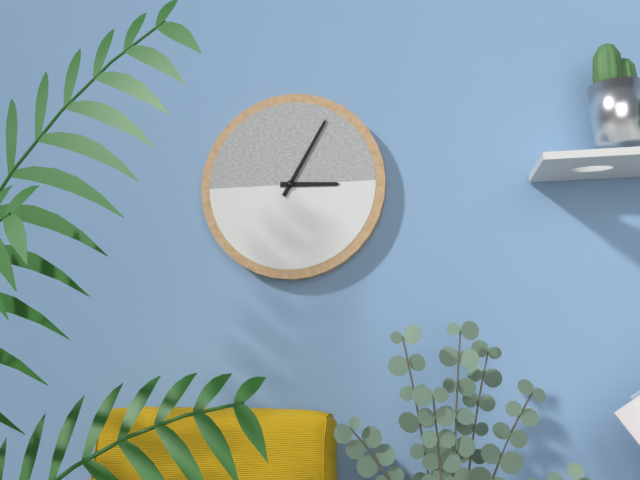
3:05
